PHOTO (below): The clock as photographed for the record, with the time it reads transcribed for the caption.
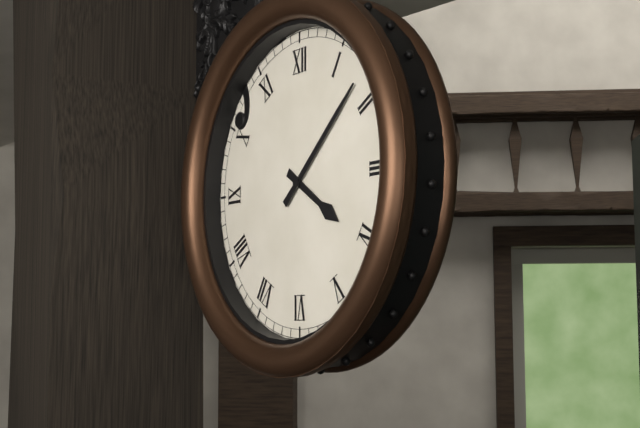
4:08
